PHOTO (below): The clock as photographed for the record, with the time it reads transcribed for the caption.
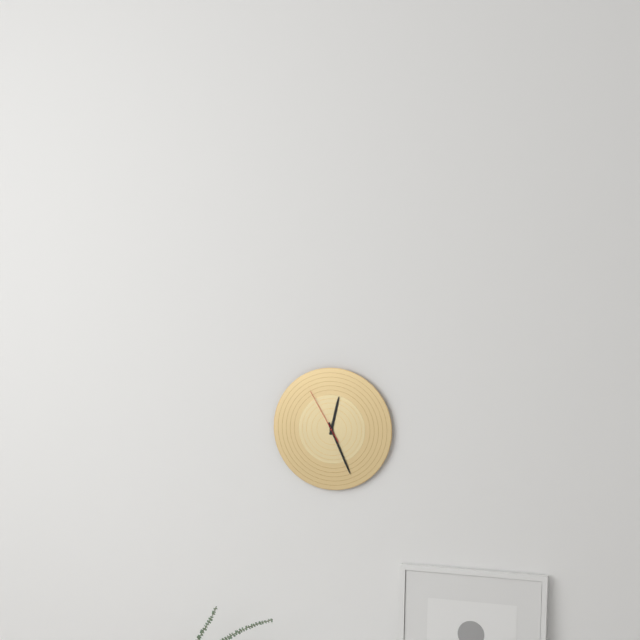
12:26:55
